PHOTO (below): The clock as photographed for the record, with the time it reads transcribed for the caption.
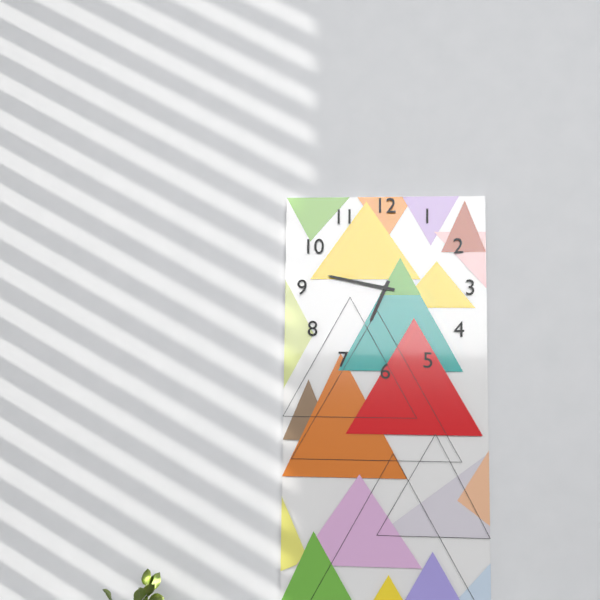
6:47
